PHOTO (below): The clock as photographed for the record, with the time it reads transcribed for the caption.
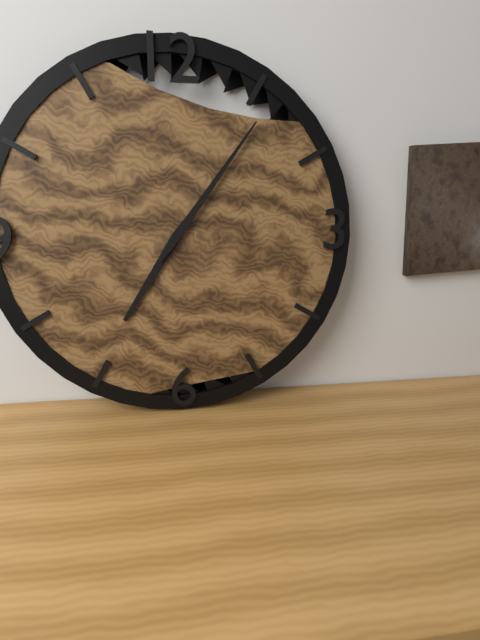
7:06
